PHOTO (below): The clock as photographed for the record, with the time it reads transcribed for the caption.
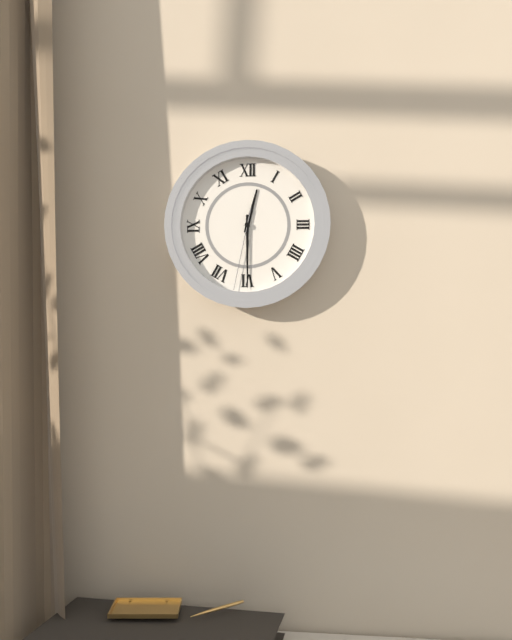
12:30:32
